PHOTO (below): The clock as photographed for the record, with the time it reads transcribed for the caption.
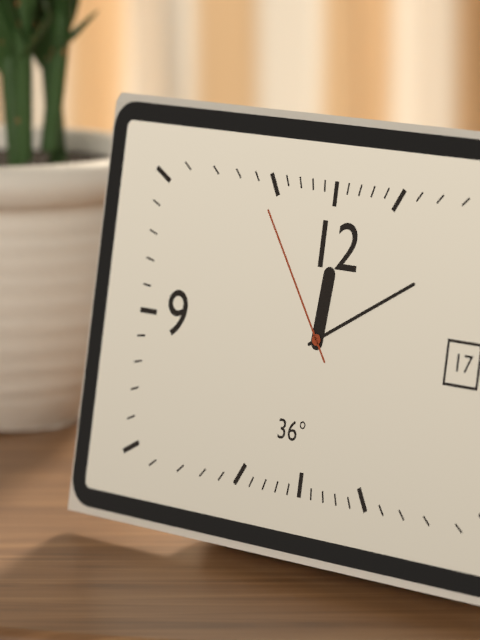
12:10:54
